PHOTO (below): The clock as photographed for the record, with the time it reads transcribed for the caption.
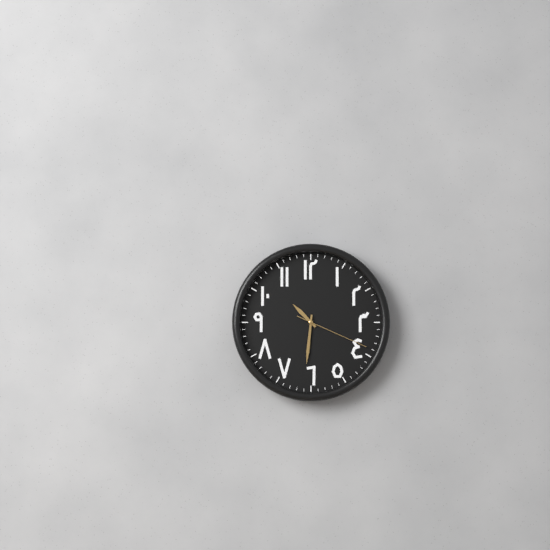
10:31:19
